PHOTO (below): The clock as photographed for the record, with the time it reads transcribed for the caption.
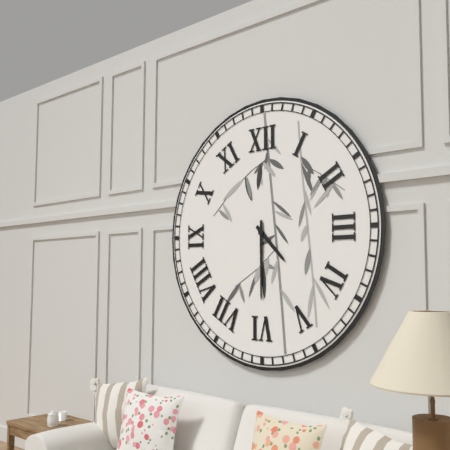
4:30
